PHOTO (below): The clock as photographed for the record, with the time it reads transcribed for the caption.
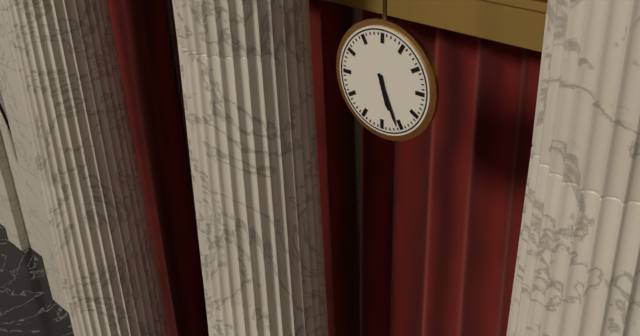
5:26
